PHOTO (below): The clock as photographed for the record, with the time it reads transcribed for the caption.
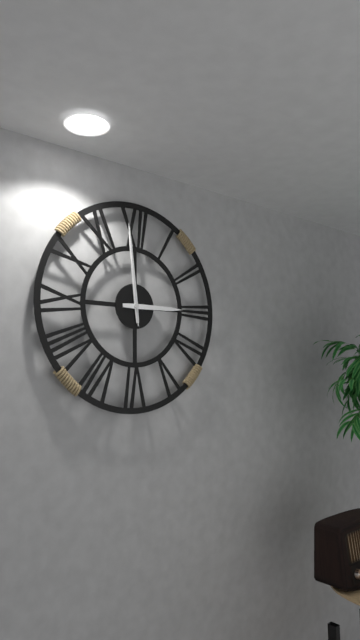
2:59:59
